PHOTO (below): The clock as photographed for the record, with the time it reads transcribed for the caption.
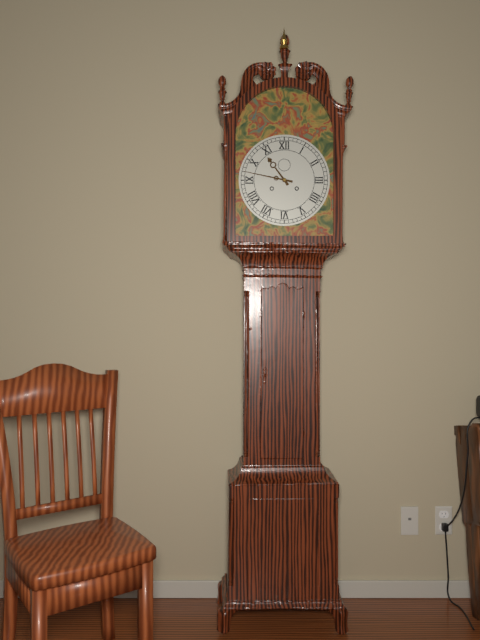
10:47
